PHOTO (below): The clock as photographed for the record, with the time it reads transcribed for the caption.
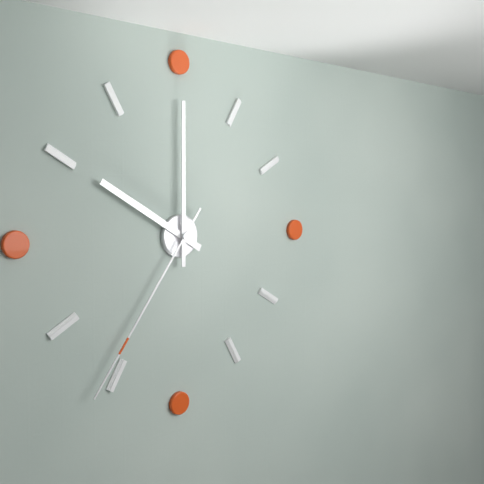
10:00:36
